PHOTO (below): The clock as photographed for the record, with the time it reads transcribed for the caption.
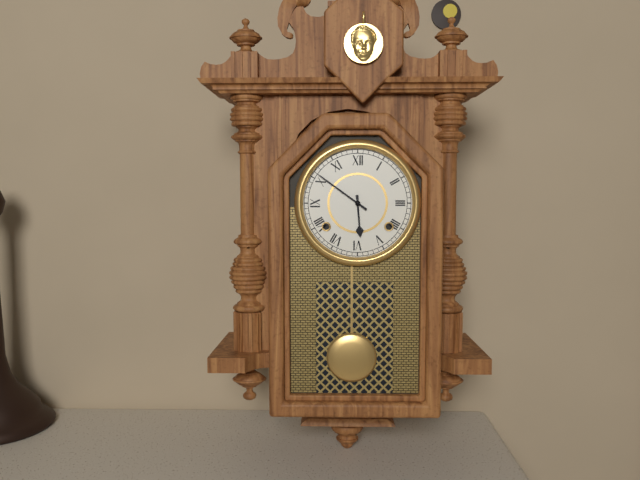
5:51
